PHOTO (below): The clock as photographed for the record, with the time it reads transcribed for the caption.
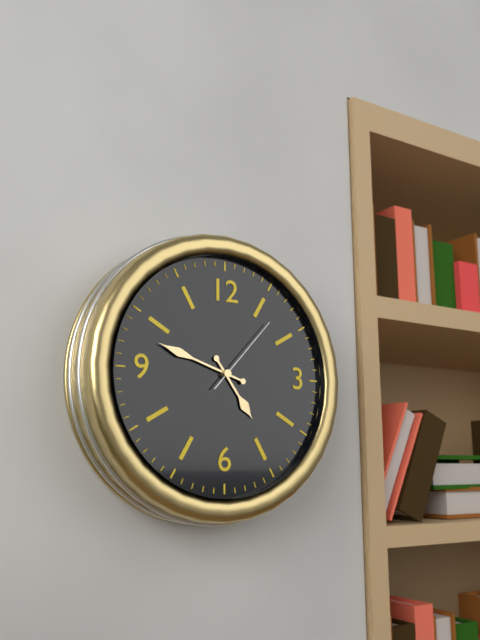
4:48:07
